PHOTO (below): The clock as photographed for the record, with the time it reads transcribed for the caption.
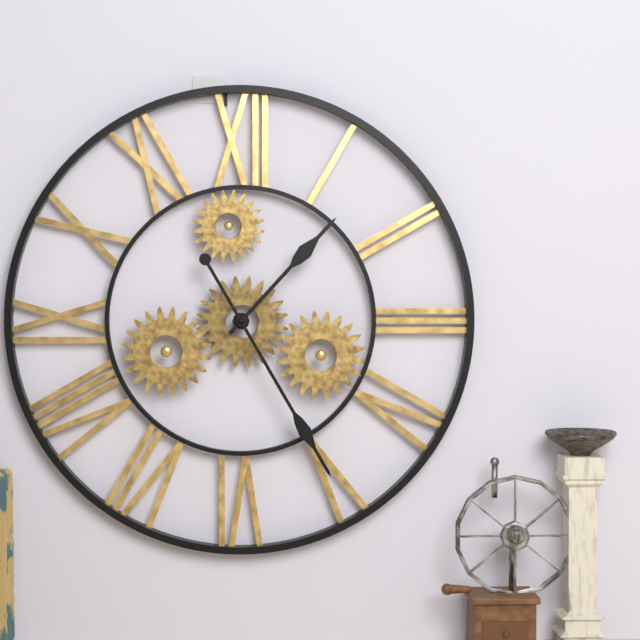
1:25
